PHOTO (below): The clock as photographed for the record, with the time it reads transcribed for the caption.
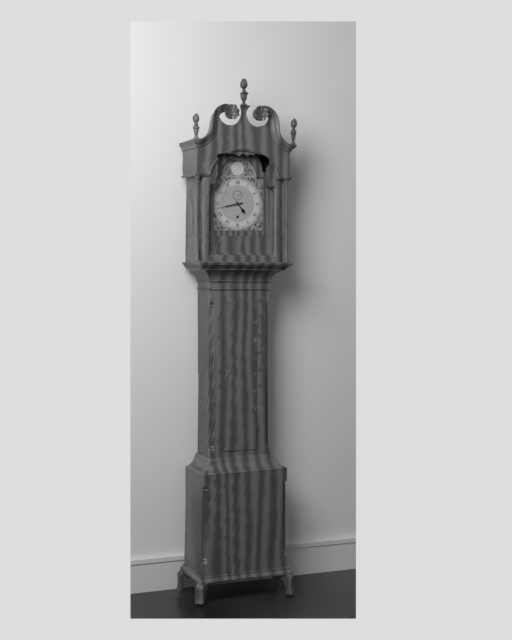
4:43
